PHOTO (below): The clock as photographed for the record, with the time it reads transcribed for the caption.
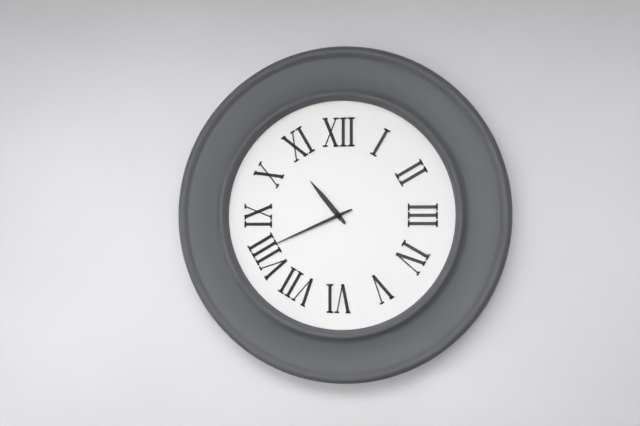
10:41
